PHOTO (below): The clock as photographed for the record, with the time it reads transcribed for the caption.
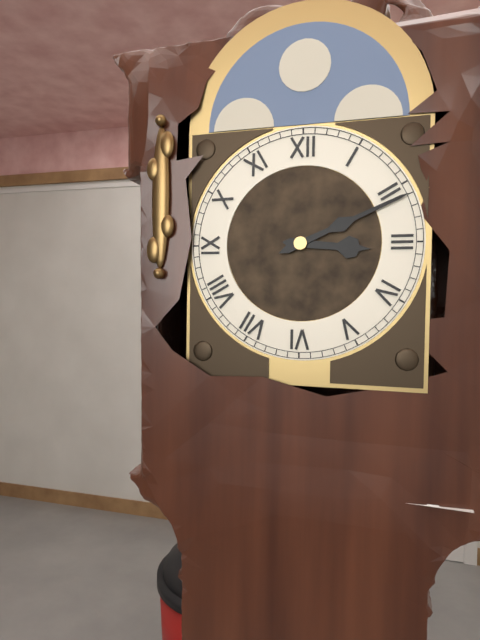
3:11
